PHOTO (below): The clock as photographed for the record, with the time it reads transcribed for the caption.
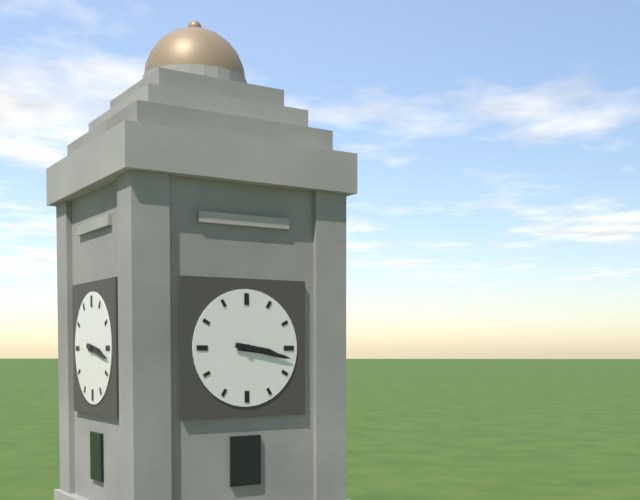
3:17
